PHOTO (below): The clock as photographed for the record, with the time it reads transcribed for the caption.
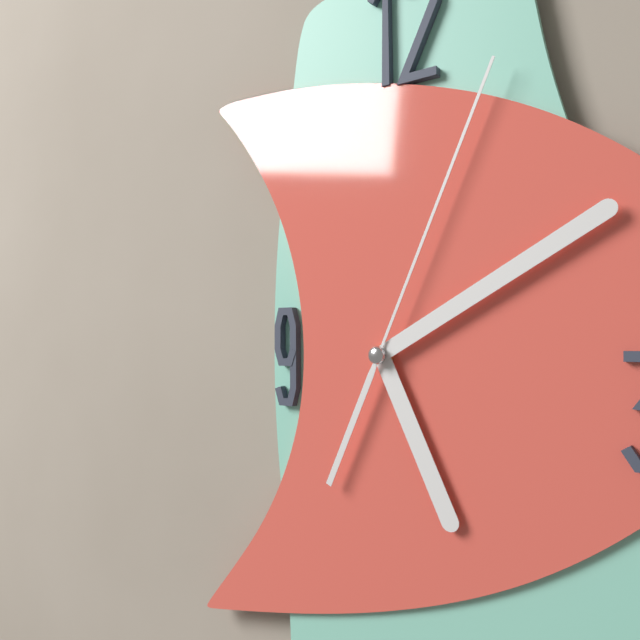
5:10:04
